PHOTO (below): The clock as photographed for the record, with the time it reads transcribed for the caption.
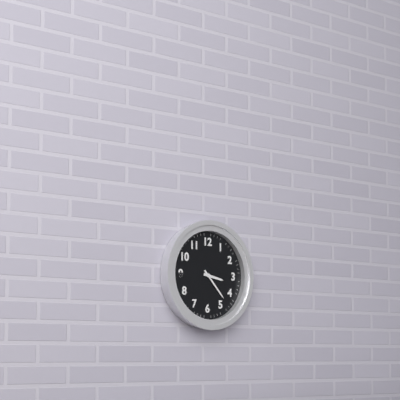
3:23
